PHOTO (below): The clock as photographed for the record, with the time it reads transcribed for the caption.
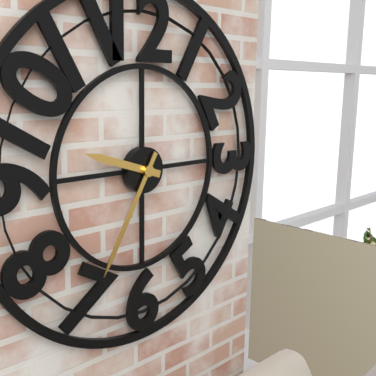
9:35
